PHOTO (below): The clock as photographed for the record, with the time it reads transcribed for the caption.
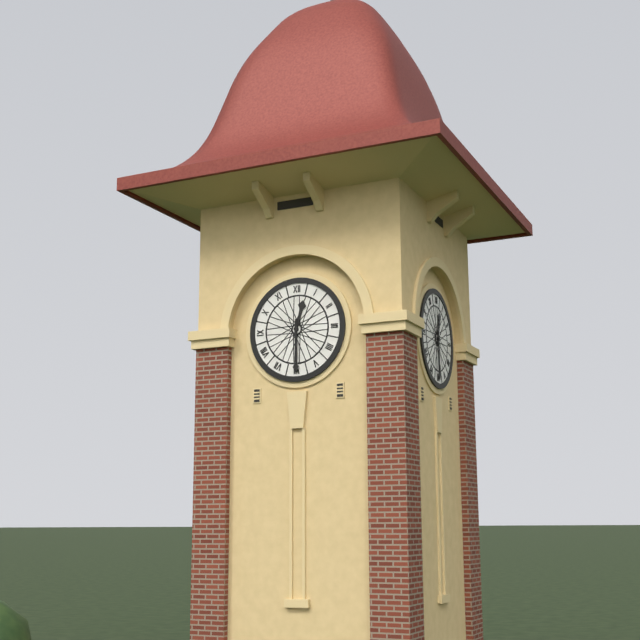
12:30
